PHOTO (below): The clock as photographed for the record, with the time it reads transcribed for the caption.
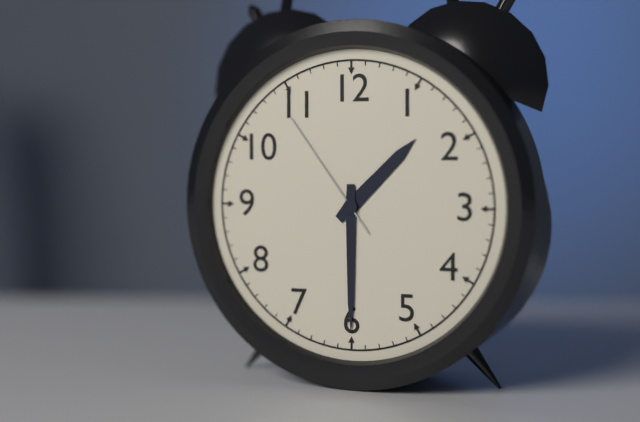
1:30:54
